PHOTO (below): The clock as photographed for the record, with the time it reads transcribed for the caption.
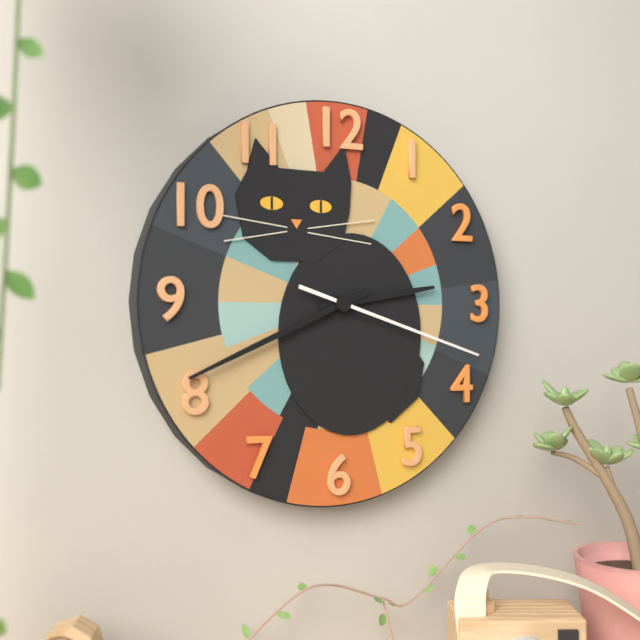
2:41:18
